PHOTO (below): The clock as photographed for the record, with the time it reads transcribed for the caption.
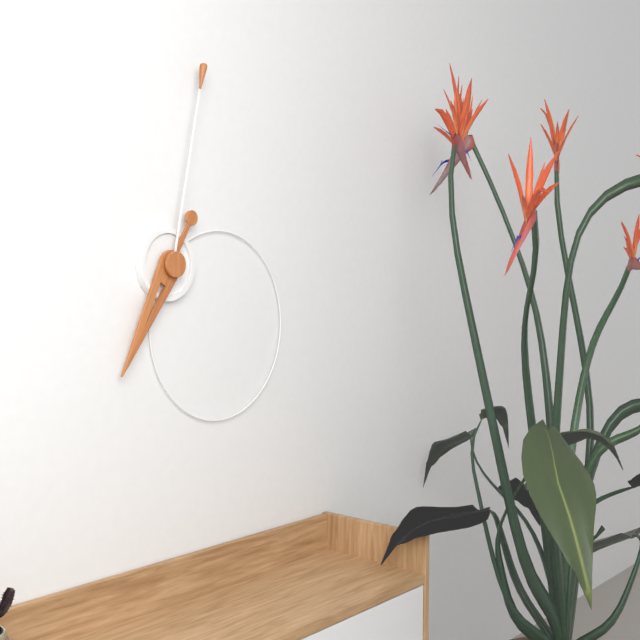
7:02
